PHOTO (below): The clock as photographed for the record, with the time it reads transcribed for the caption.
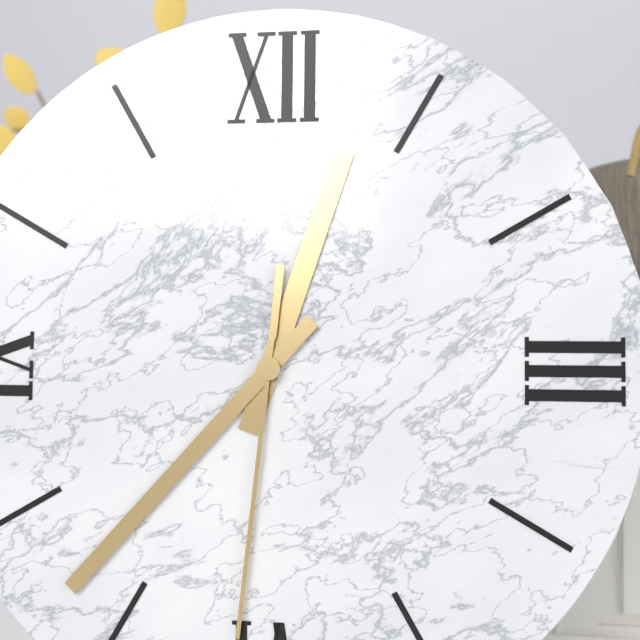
12:37:31
